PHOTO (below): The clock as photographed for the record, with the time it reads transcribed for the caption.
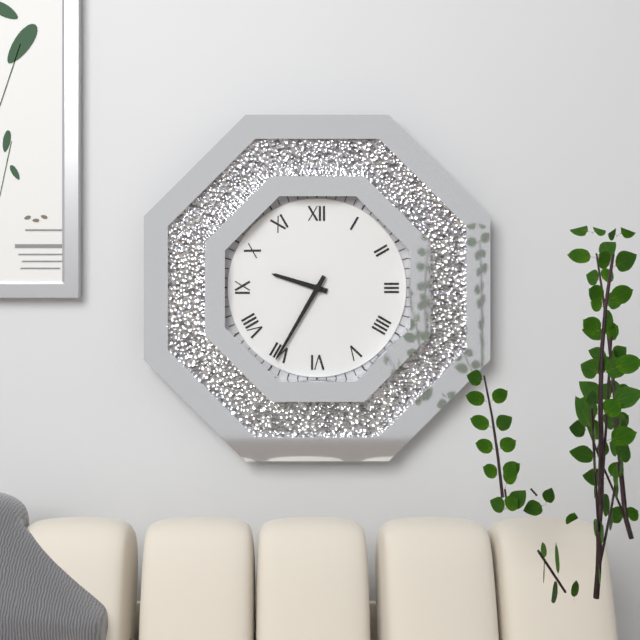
9:35
